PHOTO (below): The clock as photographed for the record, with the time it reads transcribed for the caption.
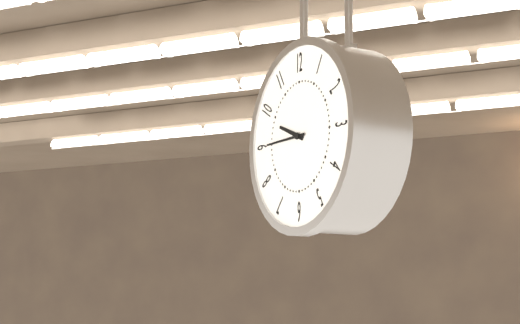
9:45
